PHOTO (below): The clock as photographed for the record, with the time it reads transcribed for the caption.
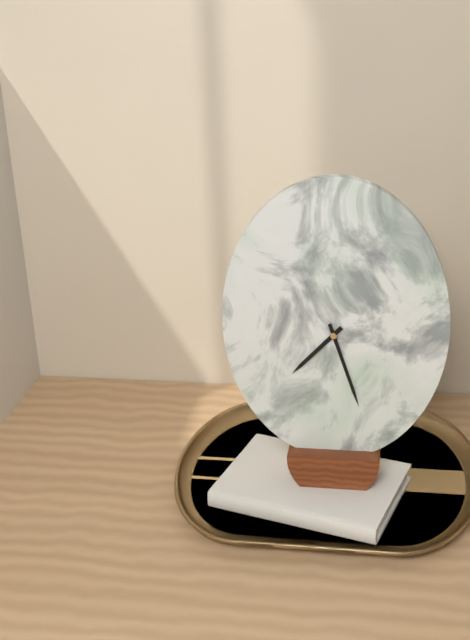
7:27
